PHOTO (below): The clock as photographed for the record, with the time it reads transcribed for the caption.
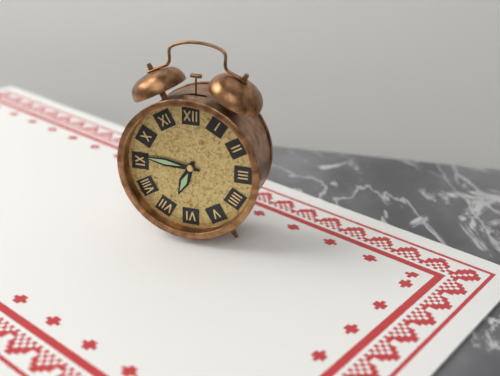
6:46
